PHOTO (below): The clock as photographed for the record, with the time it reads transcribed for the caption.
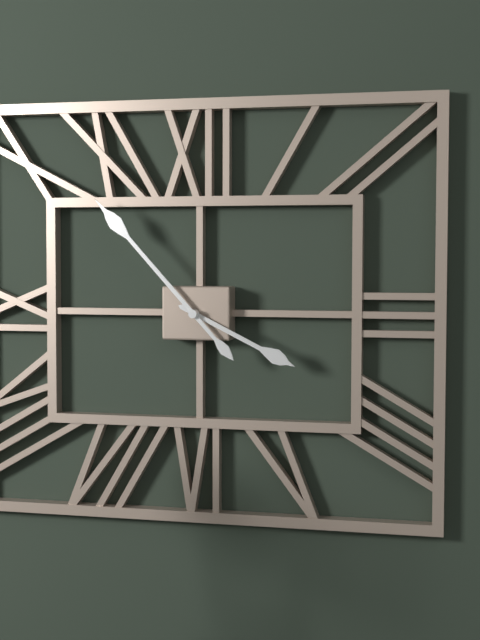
3:53
